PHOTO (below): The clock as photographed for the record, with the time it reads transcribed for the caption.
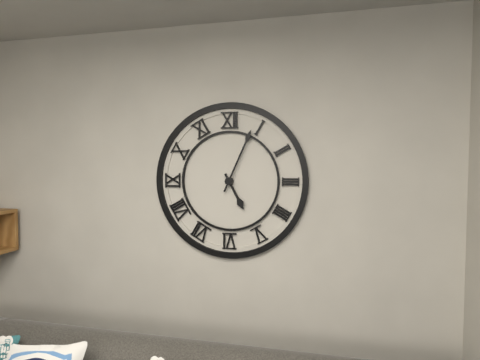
5:04
